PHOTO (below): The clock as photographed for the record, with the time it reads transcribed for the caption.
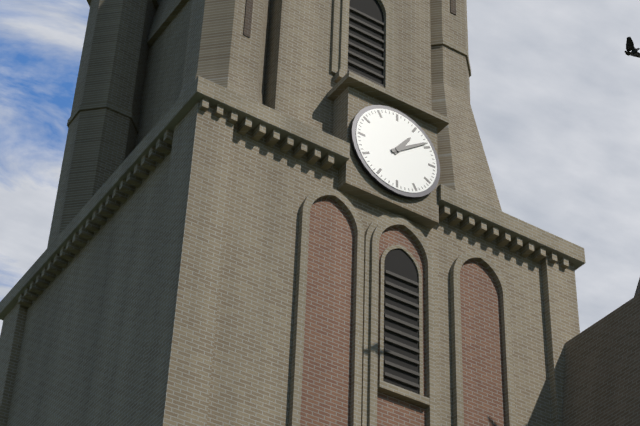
1:09
